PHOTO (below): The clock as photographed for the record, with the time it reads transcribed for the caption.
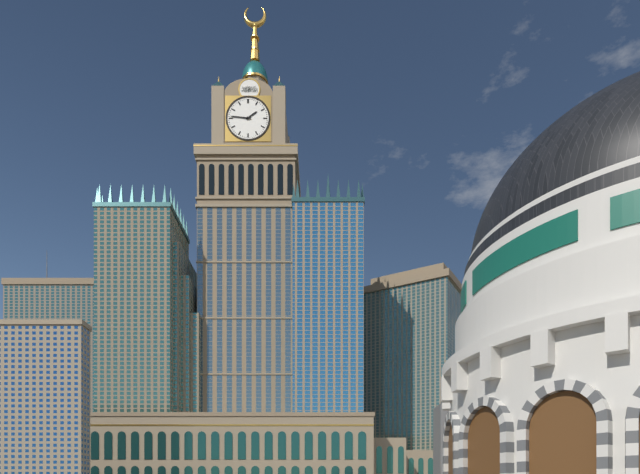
1:46
